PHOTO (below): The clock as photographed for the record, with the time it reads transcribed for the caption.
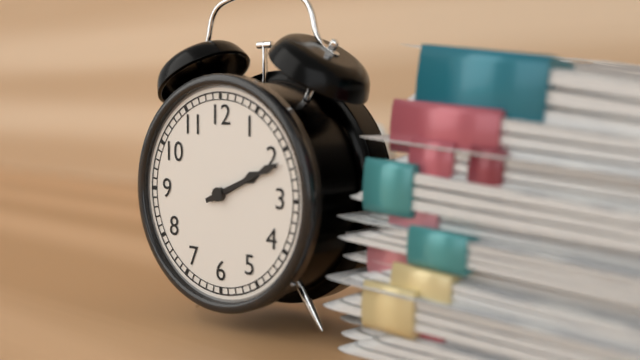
2:11
